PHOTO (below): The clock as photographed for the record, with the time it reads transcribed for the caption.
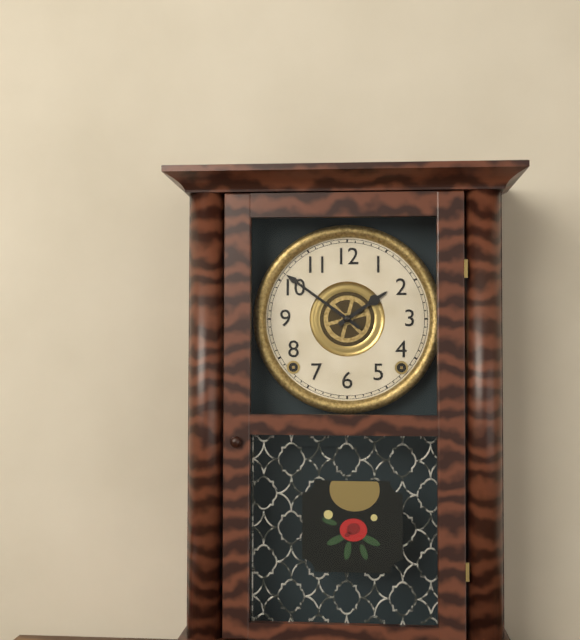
1:51
